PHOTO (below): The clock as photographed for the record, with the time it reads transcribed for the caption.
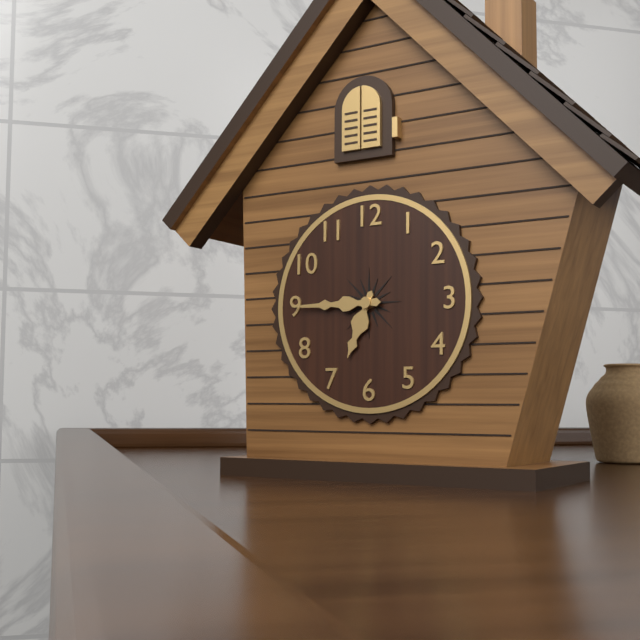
6:45
